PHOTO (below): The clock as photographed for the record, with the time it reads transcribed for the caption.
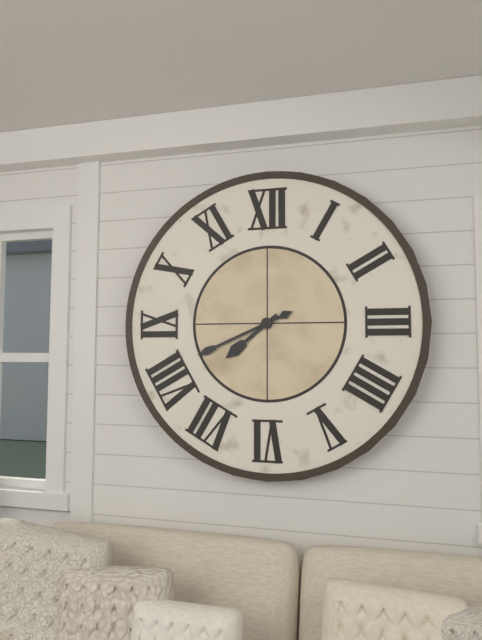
7:41
